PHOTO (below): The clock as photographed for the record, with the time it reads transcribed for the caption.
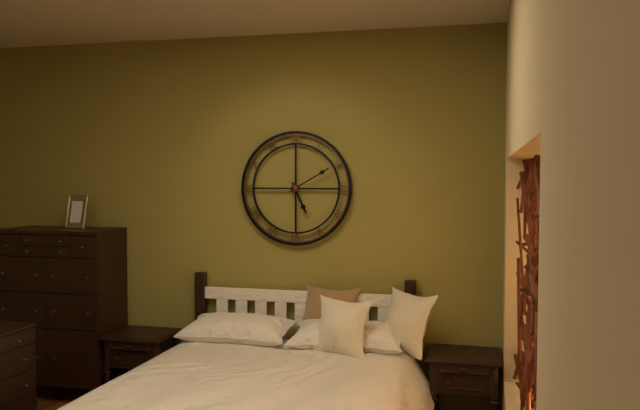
5:10
